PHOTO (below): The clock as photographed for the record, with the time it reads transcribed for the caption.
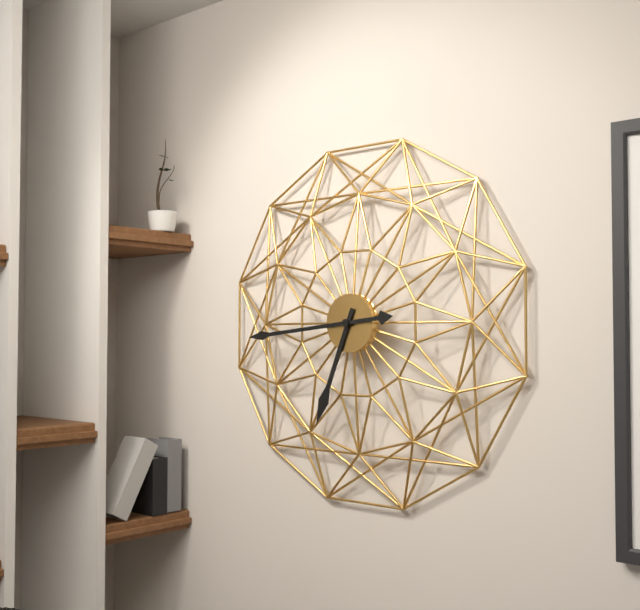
6:44
